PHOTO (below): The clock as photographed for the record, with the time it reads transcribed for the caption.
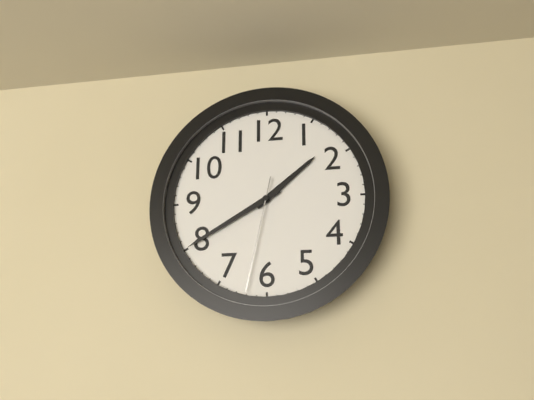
1:40:32
